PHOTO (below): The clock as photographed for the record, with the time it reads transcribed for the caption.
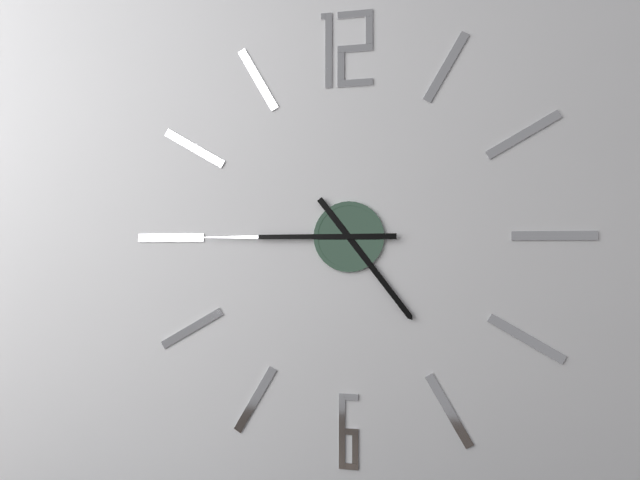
4:45
